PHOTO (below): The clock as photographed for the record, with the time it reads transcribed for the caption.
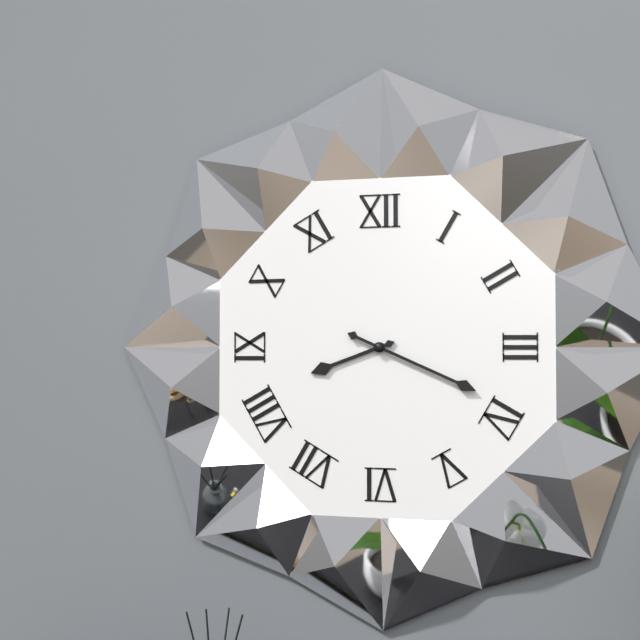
8:19
